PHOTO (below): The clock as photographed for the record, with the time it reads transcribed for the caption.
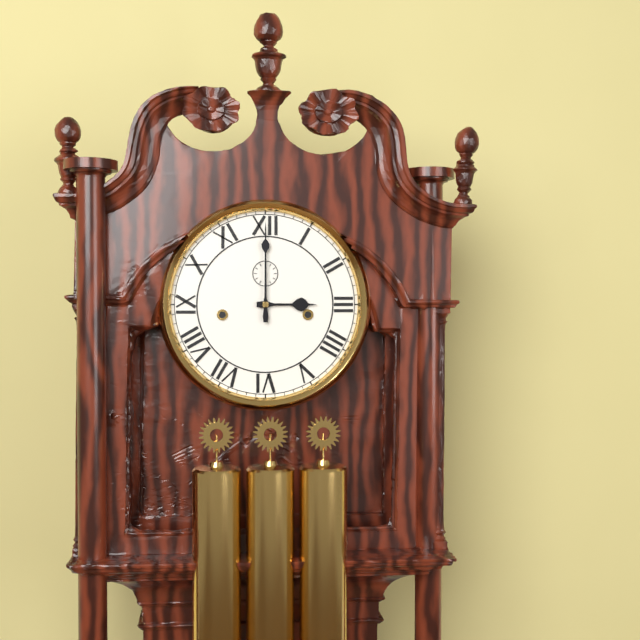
3:00
